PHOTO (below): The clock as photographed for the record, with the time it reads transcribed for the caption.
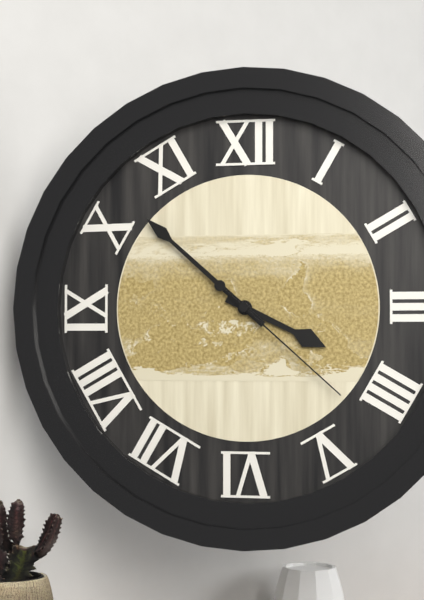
3:52:22
